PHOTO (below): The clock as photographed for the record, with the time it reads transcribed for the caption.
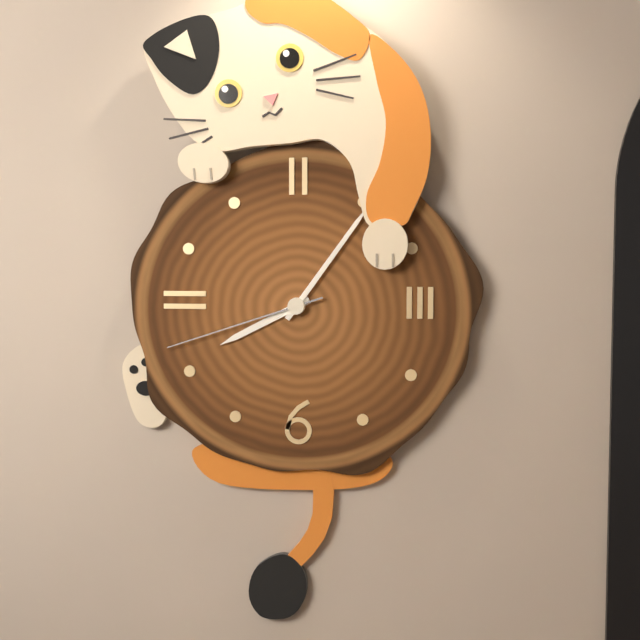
8:06:42
